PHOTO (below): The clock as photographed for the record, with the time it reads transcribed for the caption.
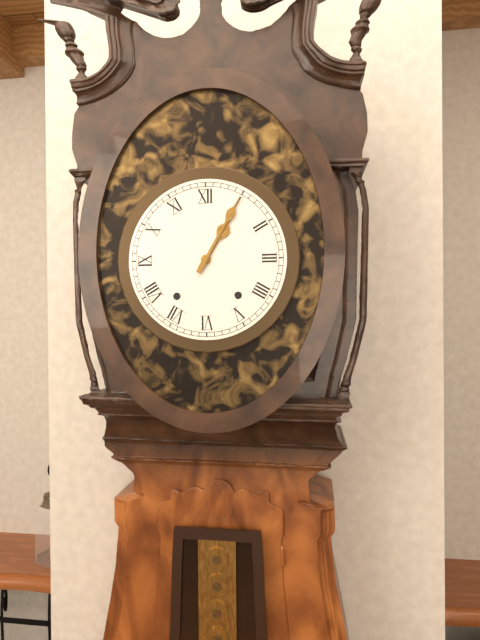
1:05
